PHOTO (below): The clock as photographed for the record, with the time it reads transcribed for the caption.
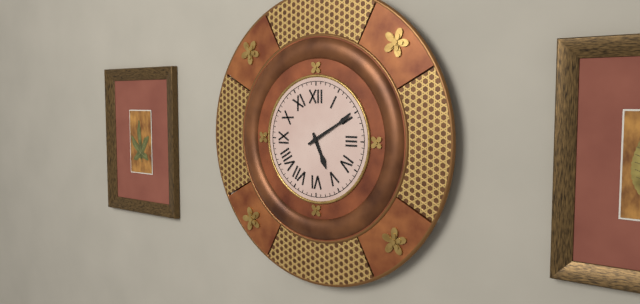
5:10
